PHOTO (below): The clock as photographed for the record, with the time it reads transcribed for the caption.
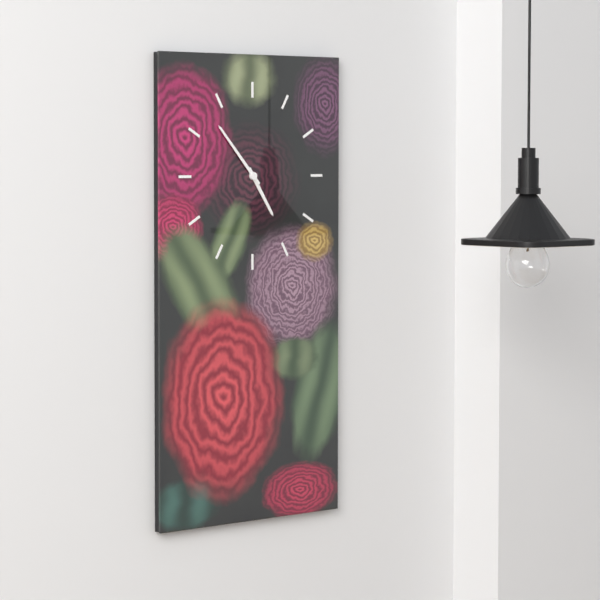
4:53
